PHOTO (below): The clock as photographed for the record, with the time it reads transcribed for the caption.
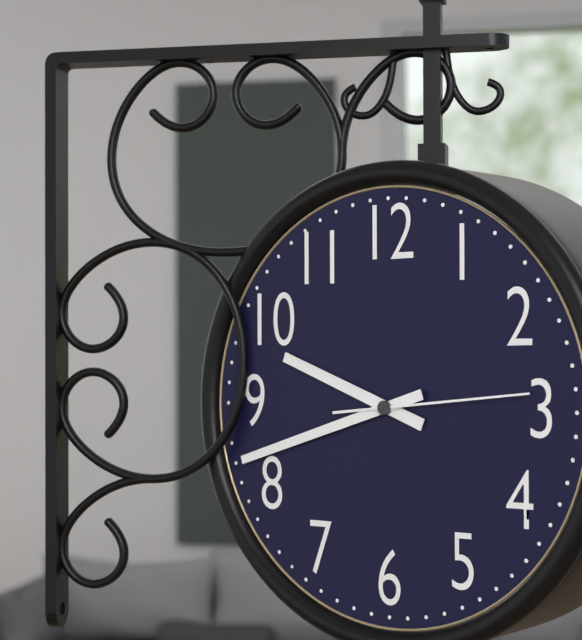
9:42:14
